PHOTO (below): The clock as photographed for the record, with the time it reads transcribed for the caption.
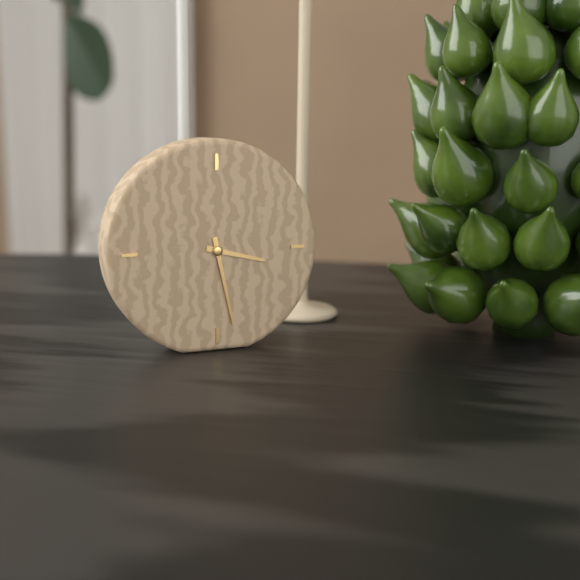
3:28
